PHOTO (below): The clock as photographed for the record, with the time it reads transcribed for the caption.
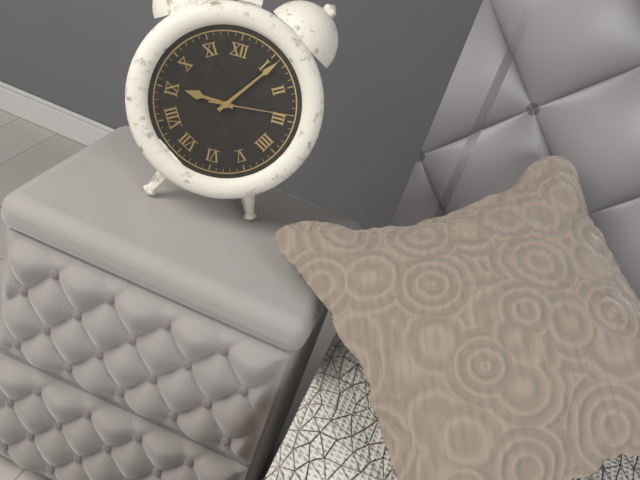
9:06:14
